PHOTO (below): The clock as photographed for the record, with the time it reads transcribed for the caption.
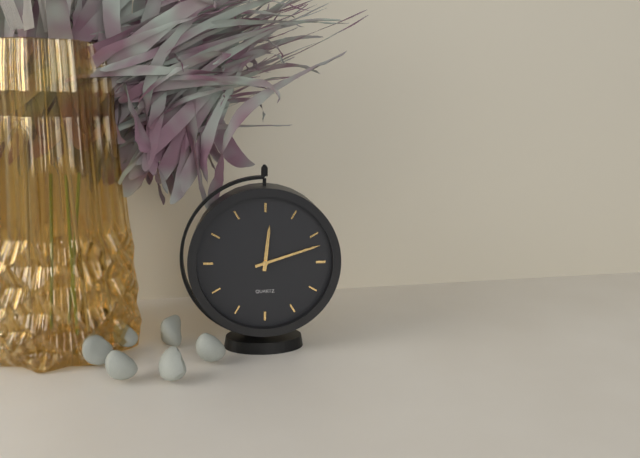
12:12
